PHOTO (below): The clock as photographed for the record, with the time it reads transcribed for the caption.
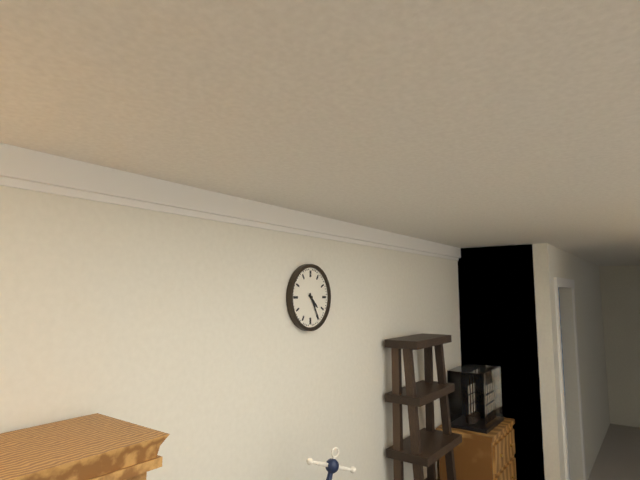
4:25
